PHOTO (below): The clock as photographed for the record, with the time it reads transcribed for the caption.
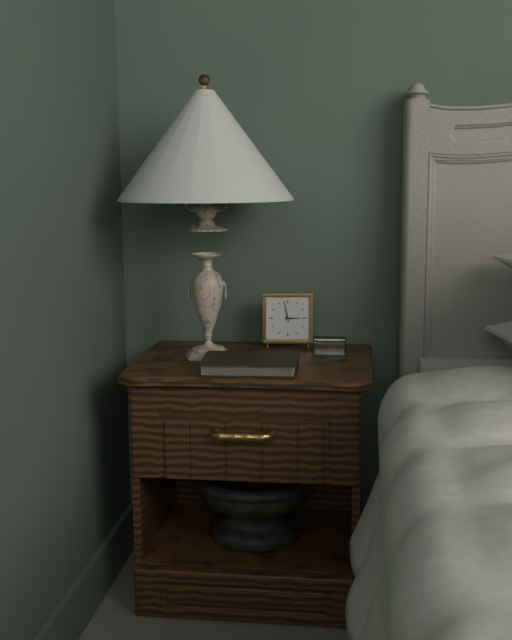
2:58
